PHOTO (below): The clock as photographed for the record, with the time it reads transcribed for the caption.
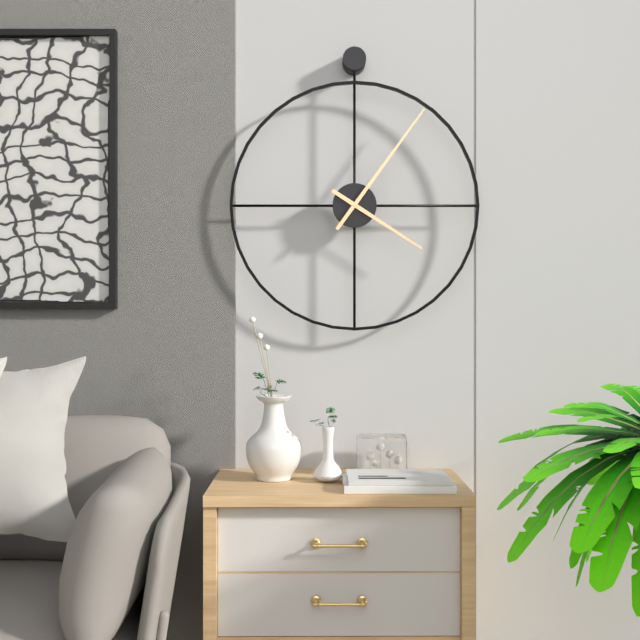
4:06
